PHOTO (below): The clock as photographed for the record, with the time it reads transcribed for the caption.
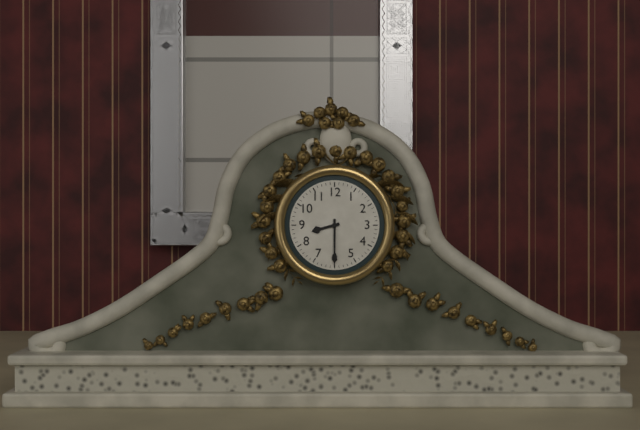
8:30
